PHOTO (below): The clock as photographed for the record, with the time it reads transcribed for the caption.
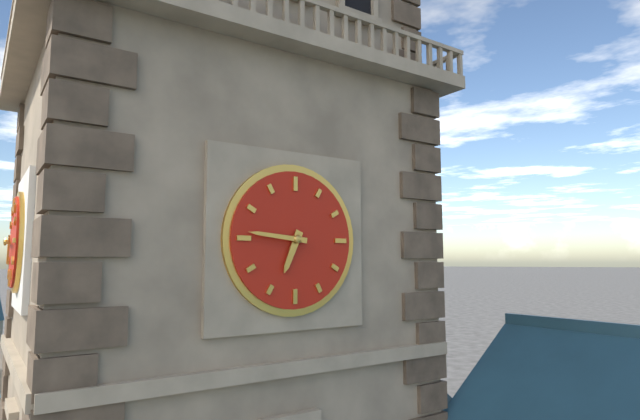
6:46
